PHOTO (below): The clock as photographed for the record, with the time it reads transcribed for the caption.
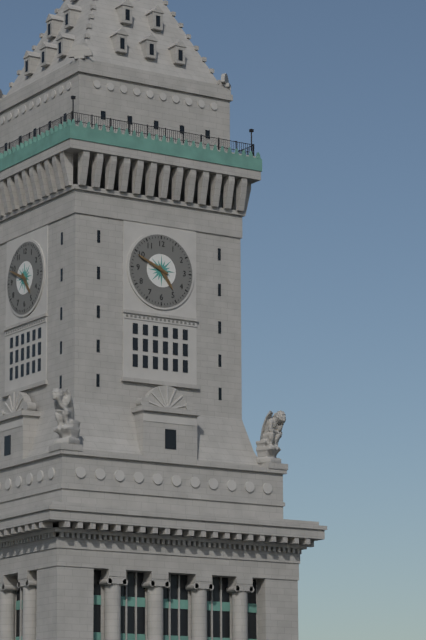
4:49
